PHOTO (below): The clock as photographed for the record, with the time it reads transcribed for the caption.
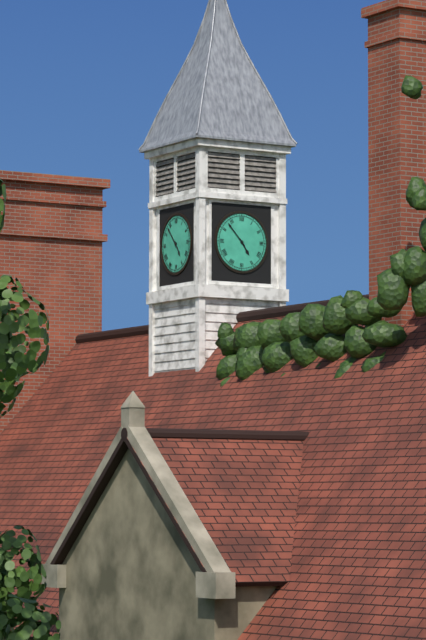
4:53
